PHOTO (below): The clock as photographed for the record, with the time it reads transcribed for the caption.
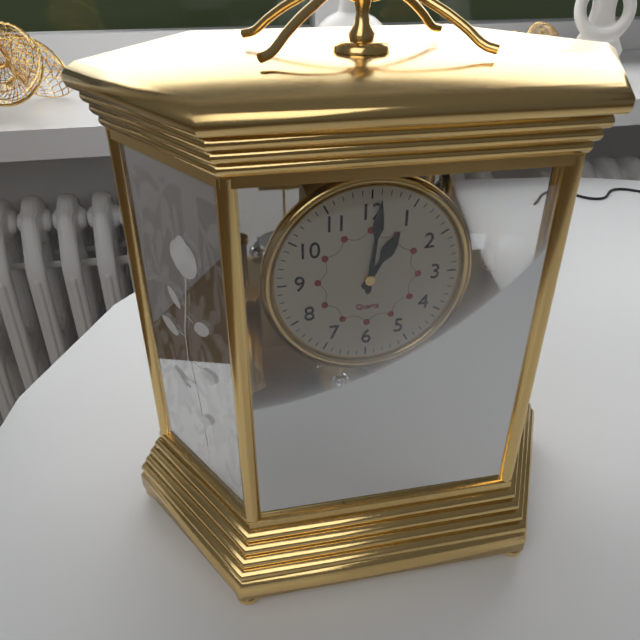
1:01
